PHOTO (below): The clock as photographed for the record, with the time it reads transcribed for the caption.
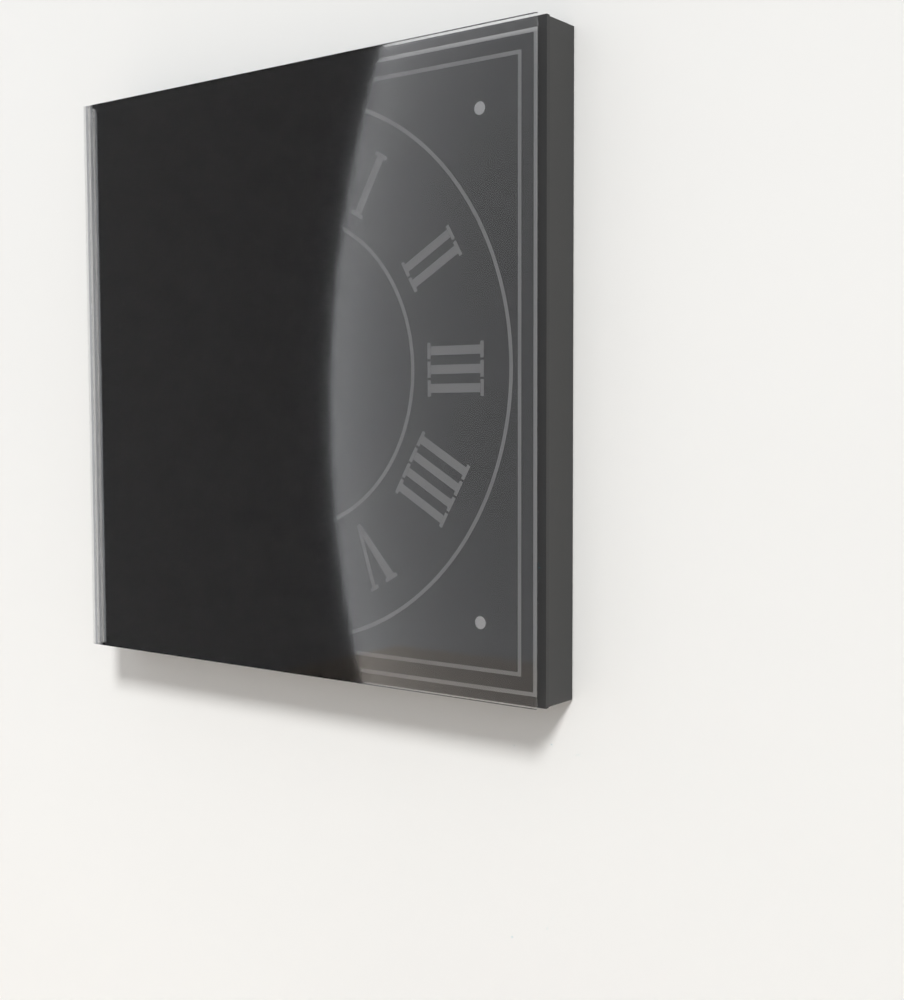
12:58
